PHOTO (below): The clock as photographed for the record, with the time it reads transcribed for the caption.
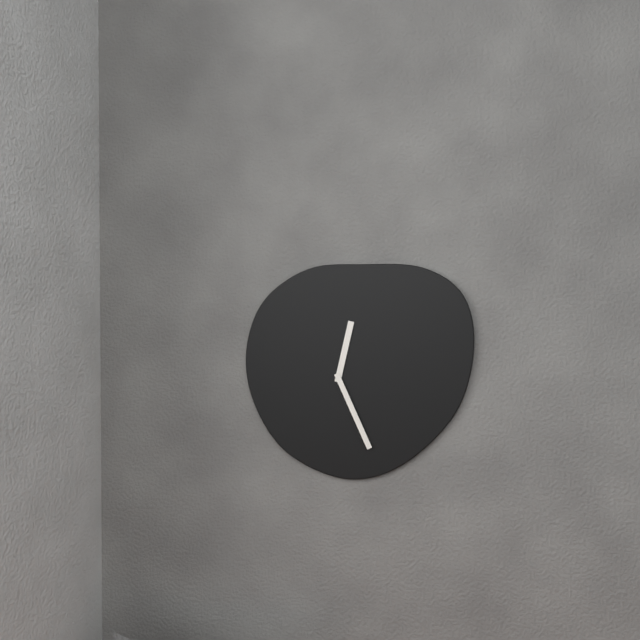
12:26
